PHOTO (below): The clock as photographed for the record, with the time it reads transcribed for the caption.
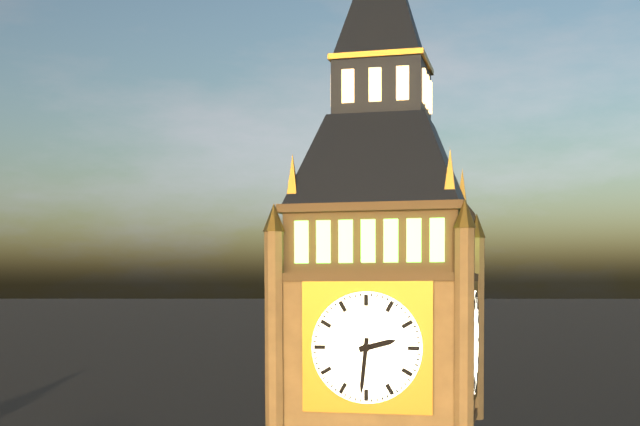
2:31
